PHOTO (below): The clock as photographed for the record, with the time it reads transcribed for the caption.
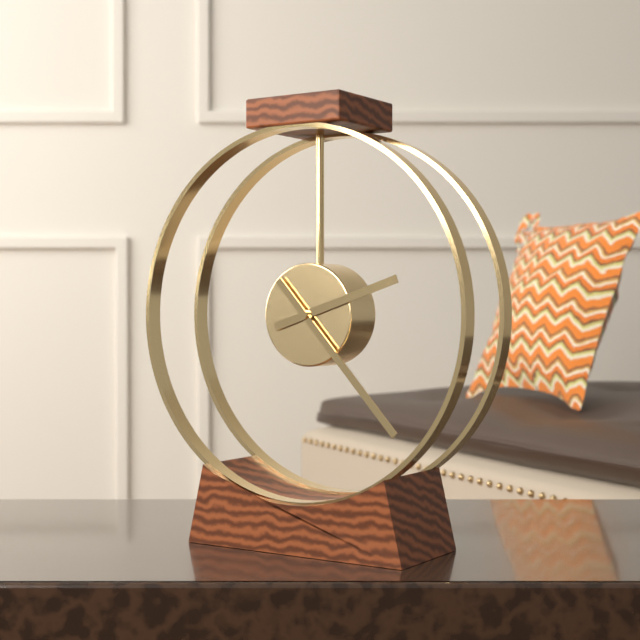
2:23
